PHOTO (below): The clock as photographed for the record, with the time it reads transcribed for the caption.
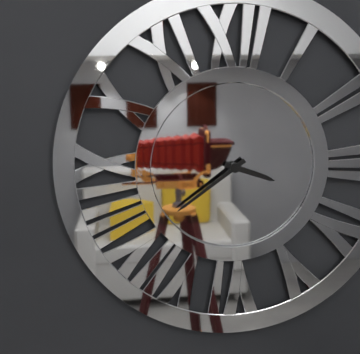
3:39
